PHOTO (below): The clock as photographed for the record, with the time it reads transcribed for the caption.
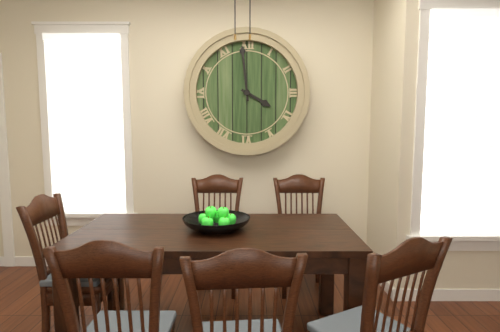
3:59
